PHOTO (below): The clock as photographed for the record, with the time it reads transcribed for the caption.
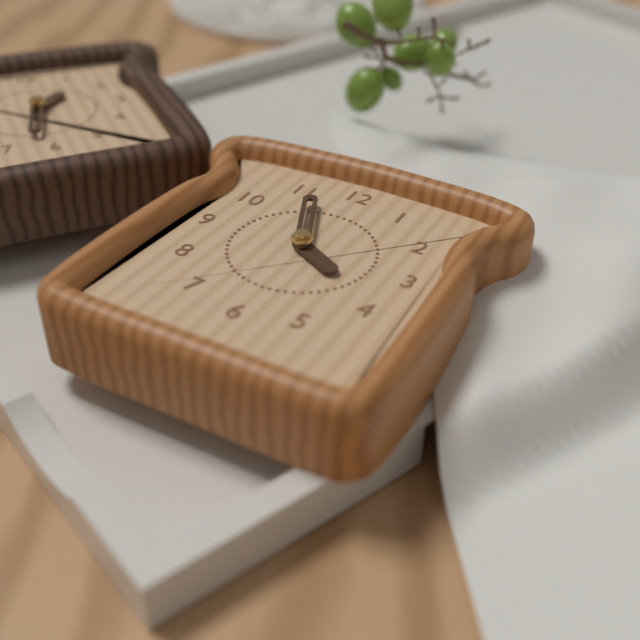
3:56
